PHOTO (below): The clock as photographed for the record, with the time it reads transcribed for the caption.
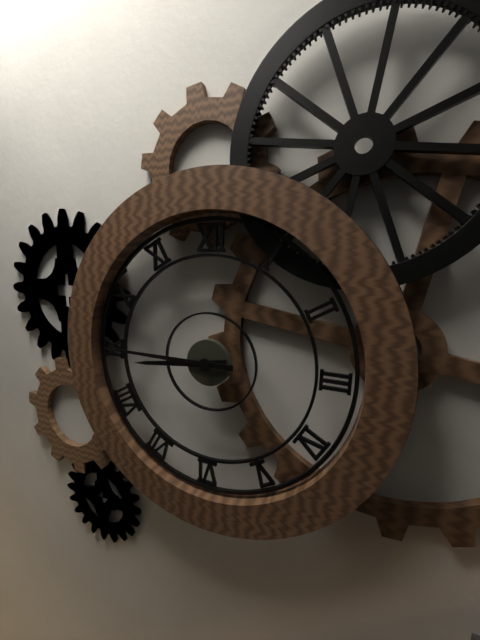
8:45
